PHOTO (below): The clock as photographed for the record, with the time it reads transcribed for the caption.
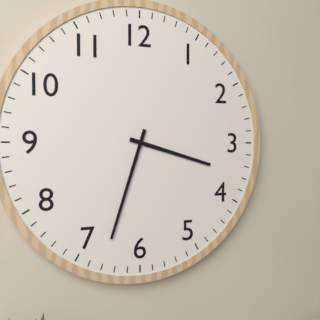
3:33
